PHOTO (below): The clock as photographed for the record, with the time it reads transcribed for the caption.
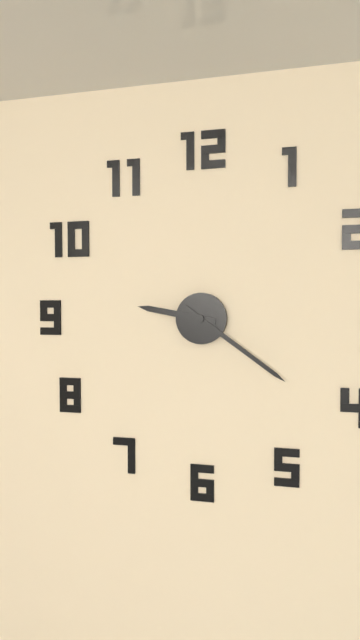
9:21
